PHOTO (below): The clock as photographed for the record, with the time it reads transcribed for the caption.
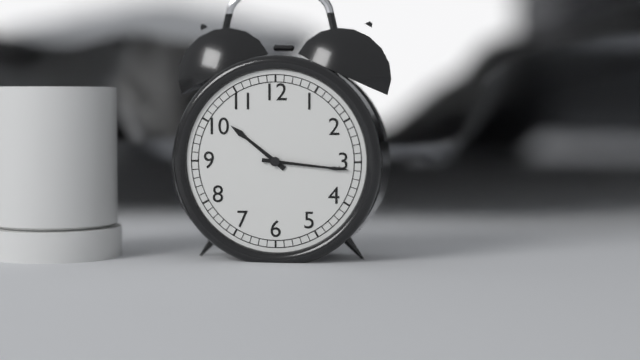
10:16
